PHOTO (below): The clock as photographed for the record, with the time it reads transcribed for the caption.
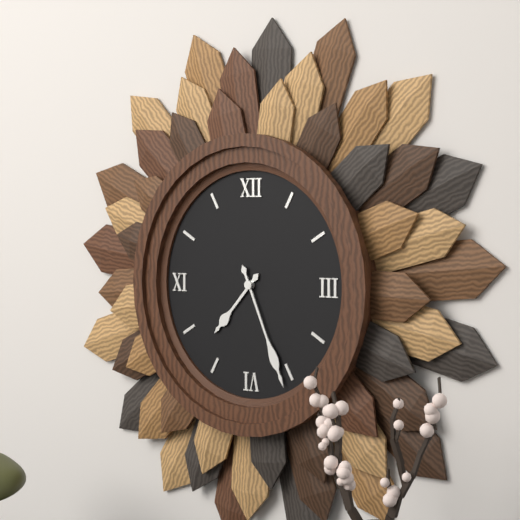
7:26
